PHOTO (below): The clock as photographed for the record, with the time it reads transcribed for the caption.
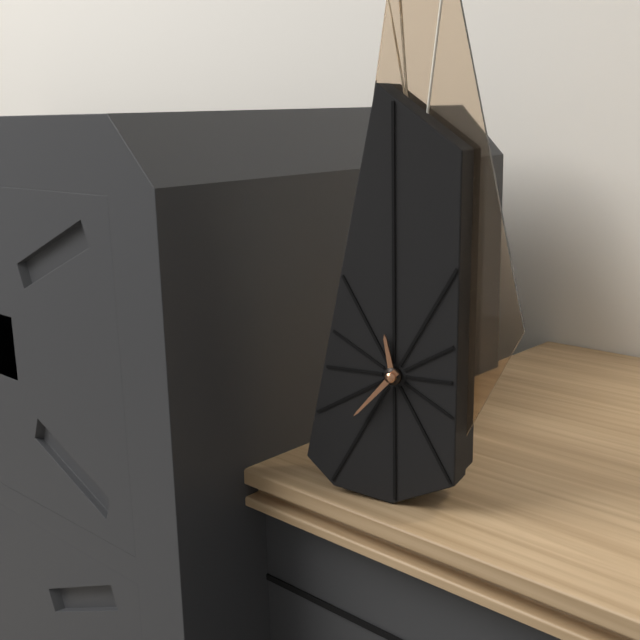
11:37
